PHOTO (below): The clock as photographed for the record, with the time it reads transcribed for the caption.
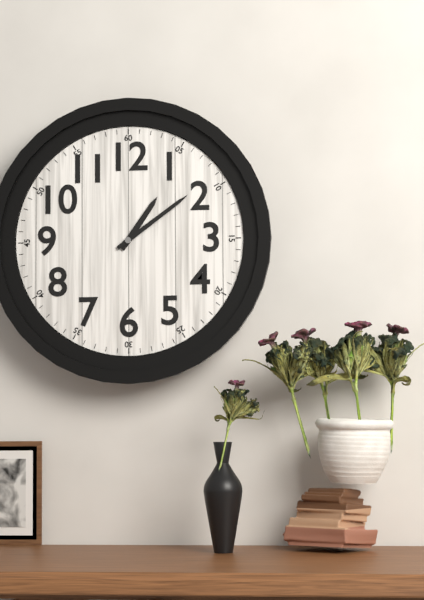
1:09
